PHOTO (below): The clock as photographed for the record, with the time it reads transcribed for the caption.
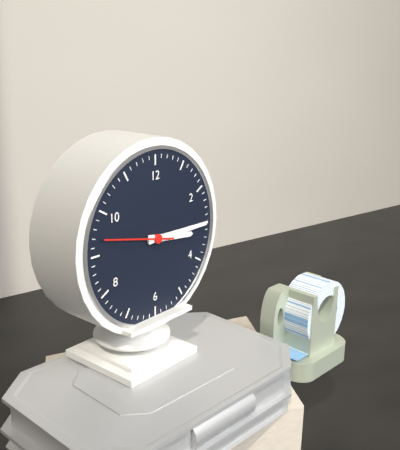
3:15:47
